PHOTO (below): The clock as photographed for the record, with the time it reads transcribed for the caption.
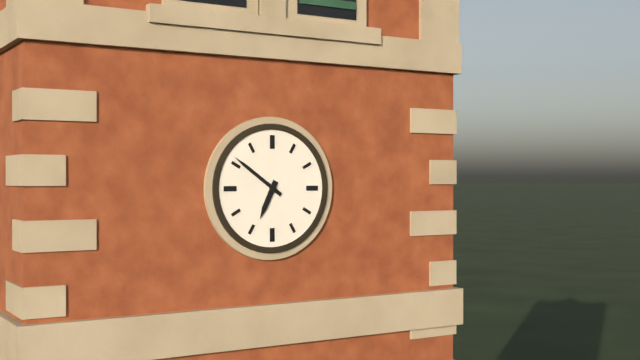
6:51
